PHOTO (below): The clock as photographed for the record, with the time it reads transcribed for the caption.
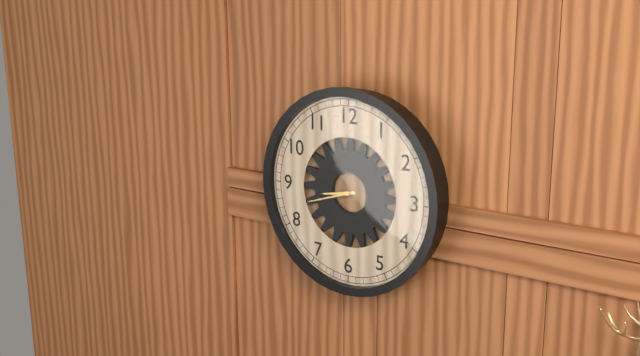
8:42
